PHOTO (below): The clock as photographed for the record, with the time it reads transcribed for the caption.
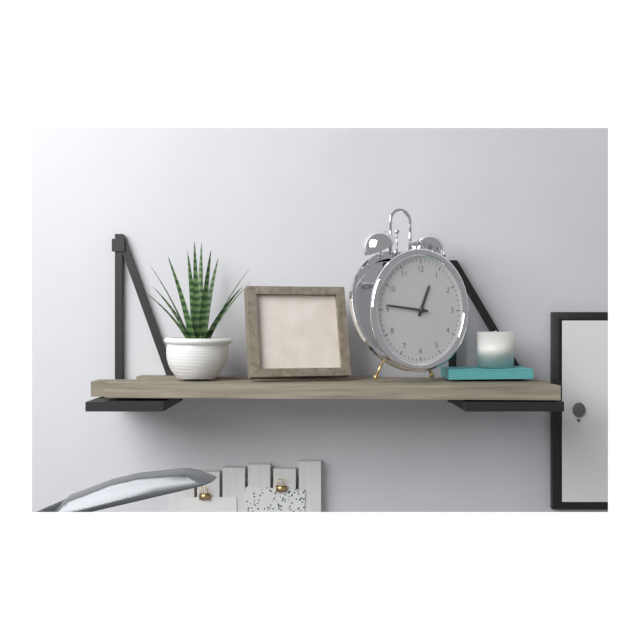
12:46
